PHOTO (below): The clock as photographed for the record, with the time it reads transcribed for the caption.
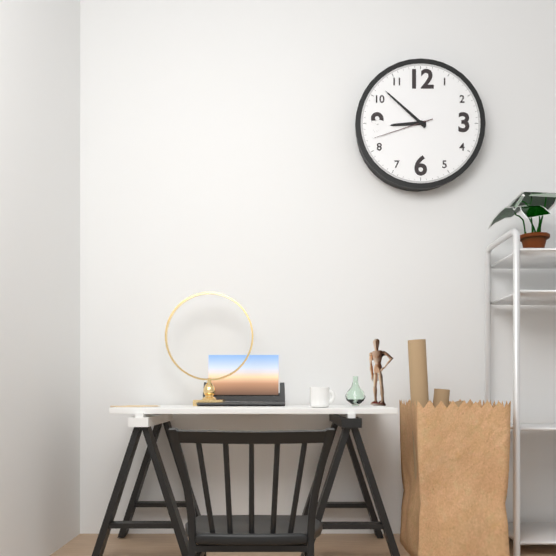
8:52:42
